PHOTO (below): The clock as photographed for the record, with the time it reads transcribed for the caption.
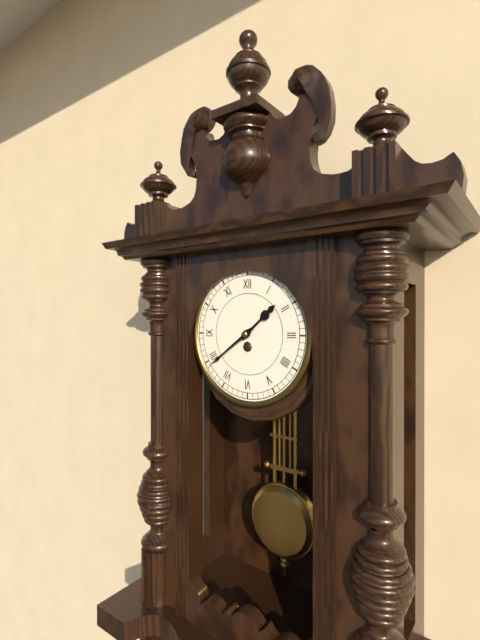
1:39
